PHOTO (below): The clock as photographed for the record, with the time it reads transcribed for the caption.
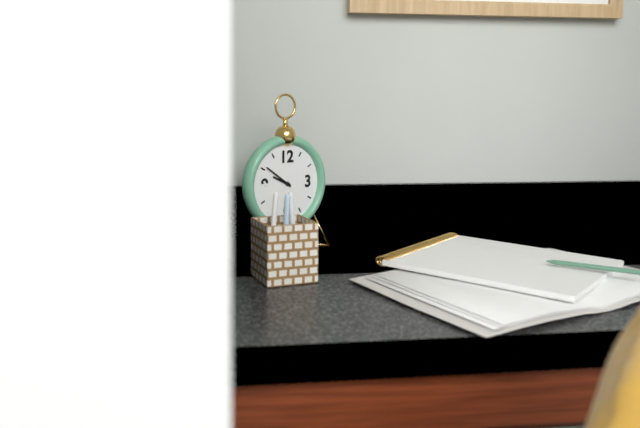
9:51
